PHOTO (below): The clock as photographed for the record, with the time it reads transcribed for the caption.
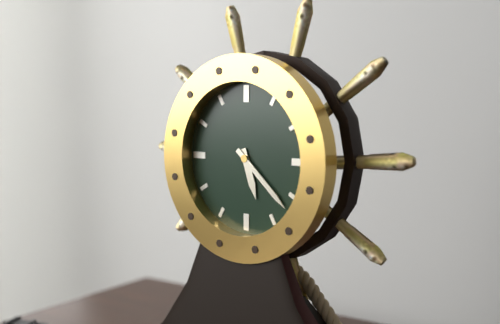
5:22
